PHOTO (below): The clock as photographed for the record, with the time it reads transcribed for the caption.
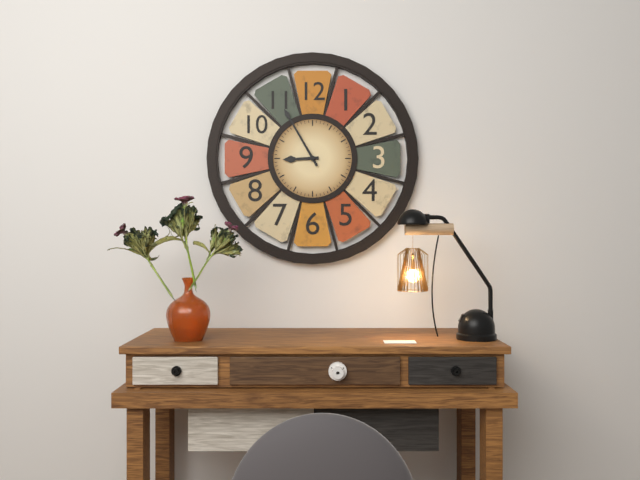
8:55
